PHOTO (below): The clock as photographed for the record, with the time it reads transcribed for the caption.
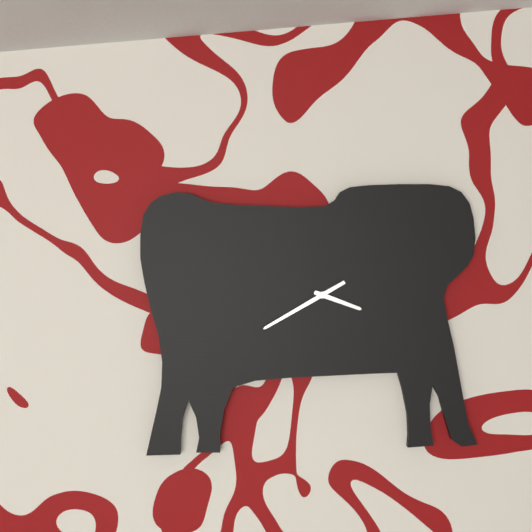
3:40
